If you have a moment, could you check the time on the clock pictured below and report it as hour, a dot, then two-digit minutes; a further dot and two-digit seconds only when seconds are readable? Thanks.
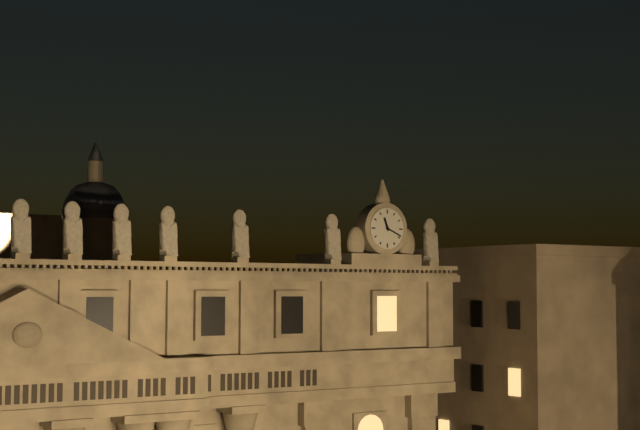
11.19
